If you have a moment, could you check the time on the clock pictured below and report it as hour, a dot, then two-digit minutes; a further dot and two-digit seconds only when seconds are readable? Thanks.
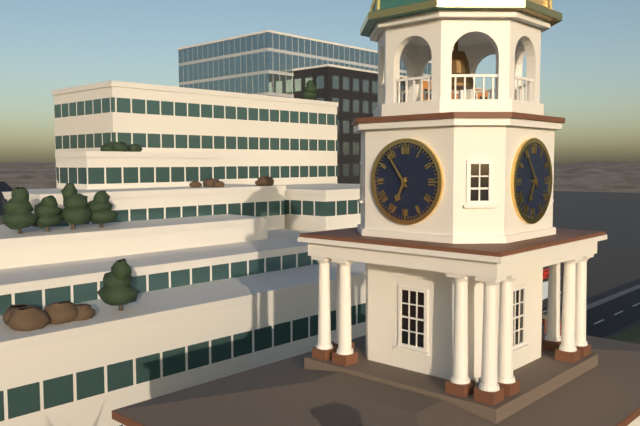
6.54
